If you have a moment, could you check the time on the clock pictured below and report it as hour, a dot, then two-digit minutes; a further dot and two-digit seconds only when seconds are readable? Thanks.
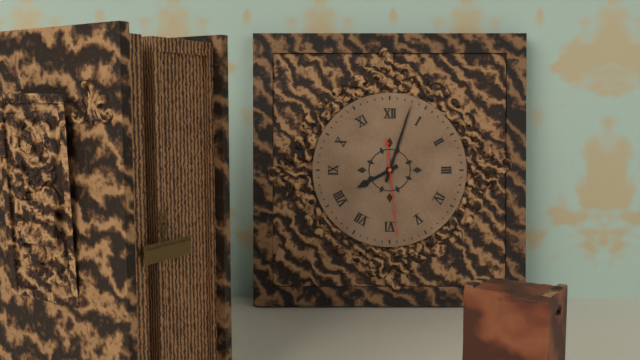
8.03.29
